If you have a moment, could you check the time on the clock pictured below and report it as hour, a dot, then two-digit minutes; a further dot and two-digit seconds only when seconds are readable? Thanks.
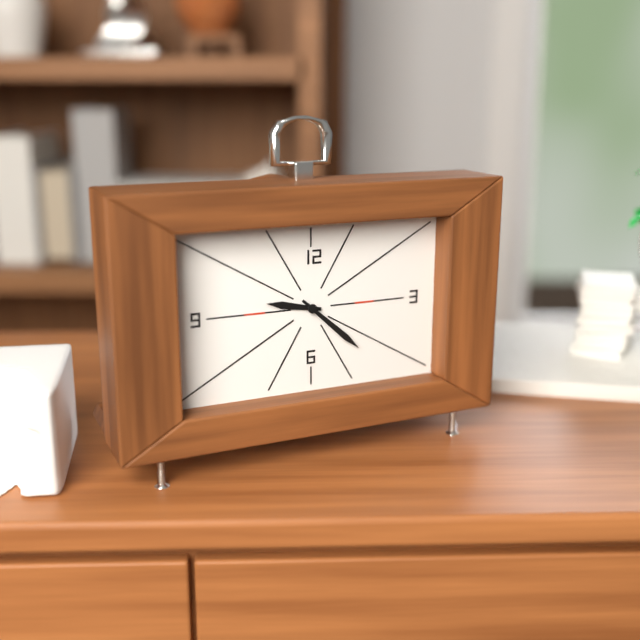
9.22
